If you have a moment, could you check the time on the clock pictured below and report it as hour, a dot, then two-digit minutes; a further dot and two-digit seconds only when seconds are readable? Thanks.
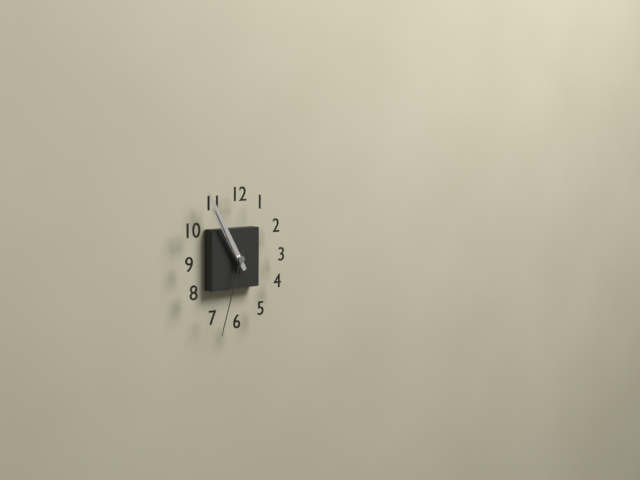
10.55.33
